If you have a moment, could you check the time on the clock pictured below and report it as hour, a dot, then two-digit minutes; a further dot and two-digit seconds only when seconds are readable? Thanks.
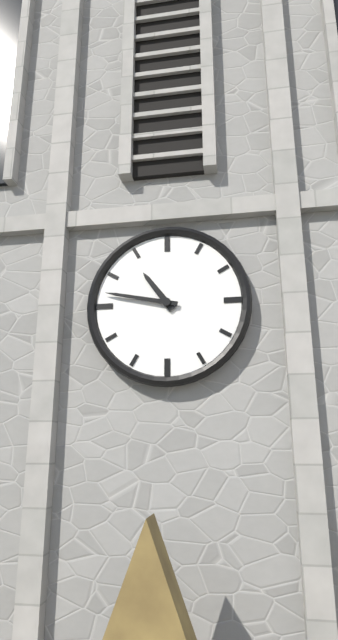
10.47
